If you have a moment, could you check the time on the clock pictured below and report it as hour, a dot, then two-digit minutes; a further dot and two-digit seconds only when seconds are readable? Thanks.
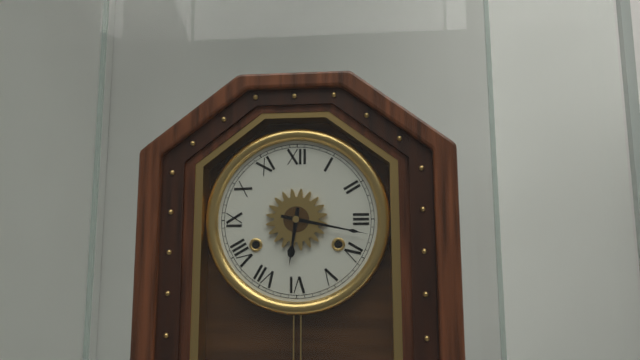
6.17
